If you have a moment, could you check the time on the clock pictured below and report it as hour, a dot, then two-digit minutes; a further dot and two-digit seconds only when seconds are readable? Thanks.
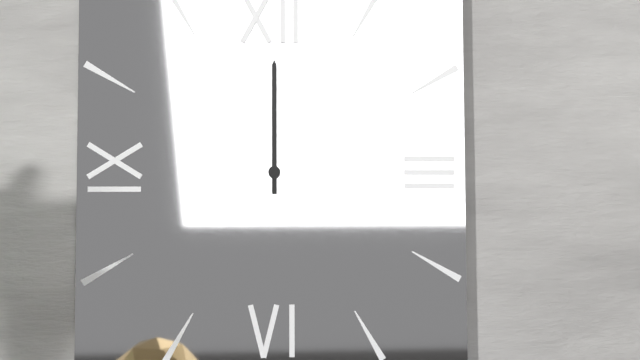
12.00
